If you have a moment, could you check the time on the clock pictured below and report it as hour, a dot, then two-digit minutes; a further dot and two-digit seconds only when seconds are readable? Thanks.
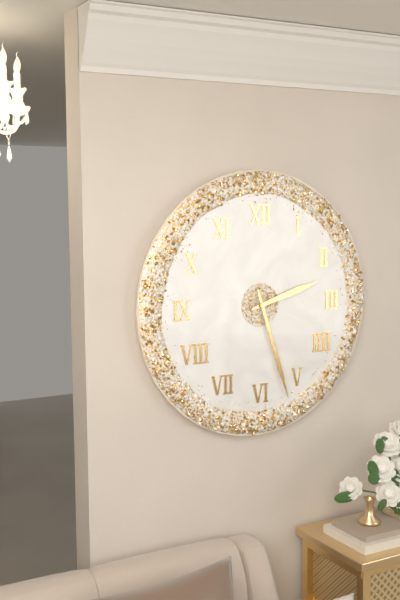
2.27
